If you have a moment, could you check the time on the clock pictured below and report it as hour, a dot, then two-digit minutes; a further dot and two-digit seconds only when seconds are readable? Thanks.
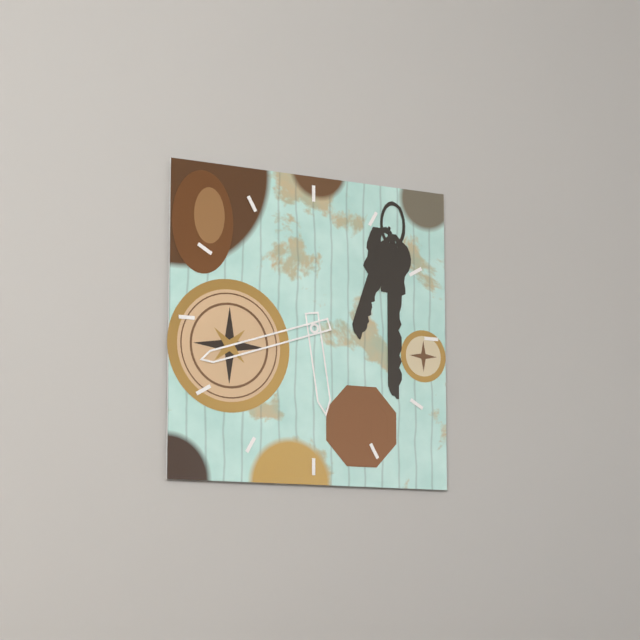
5.42
